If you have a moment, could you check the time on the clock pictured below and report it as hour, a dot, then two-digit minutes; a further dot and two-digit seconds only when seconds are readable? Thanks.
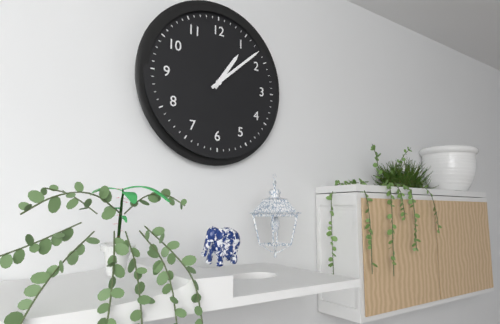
1.08
